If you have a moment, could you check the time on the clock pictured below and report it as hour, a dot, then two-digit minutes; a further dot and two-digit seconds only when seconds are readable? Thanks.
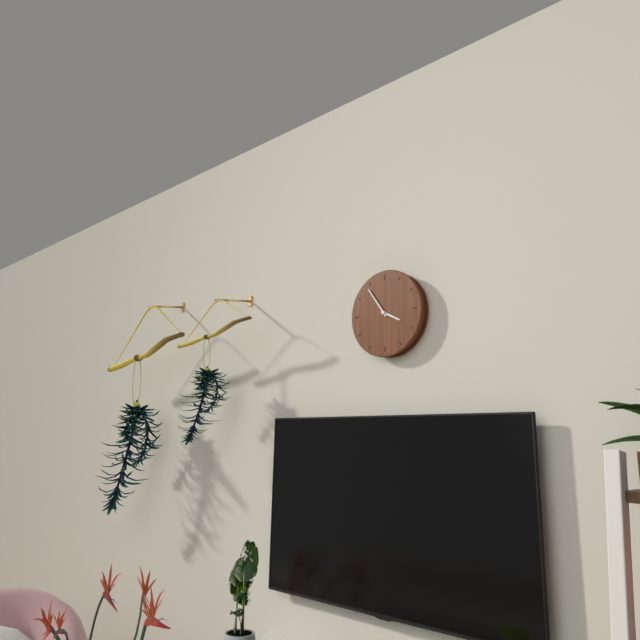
3.54
